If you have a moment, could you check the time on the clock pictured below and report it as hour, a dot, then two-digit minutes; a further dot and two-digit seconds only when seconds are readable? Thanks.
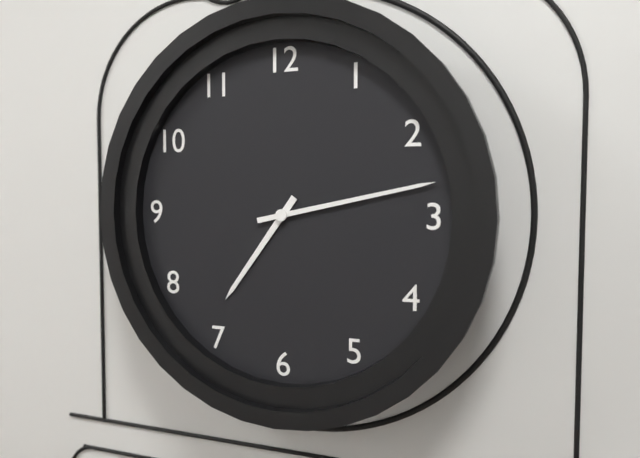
7.13
